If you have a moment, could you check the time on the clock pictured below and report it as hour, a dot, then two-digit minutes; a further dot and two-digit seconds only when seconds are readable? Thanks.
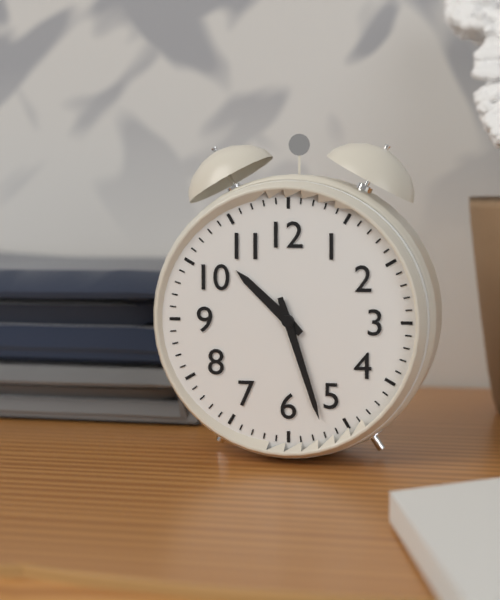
10.27
